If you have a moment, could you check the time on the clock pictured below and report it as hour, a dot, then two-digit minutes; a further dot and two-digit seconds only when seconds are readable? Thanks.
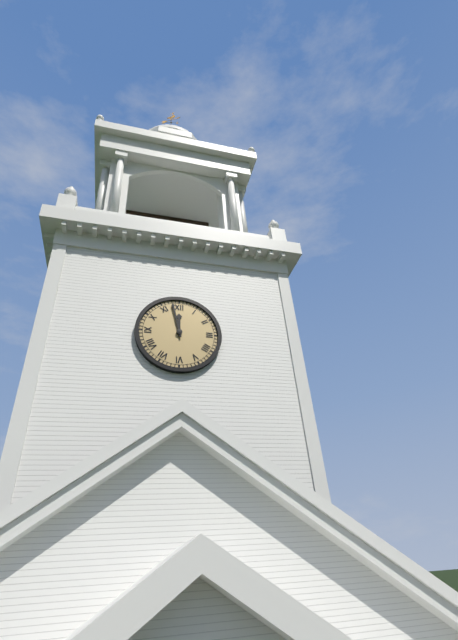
11.58
